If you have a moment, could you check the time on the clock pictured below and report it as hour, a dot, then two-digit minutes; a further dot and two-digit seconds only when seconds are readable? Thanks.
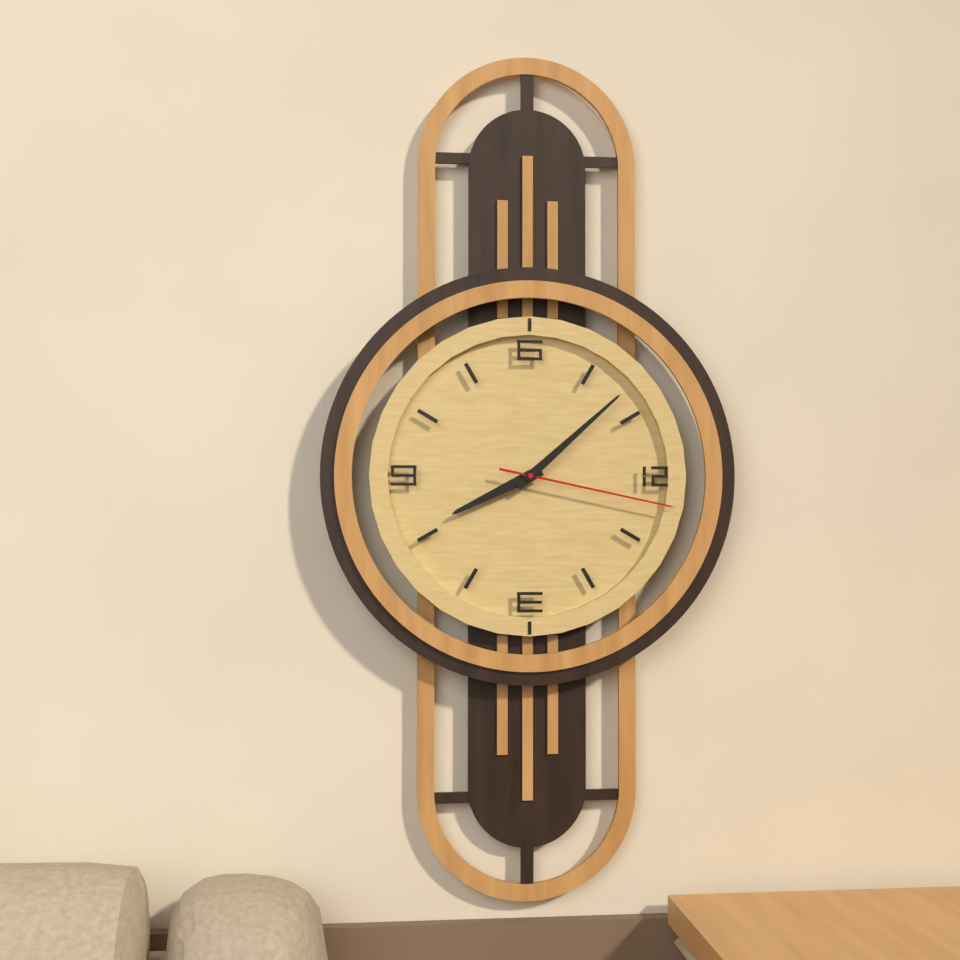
8.08.17
